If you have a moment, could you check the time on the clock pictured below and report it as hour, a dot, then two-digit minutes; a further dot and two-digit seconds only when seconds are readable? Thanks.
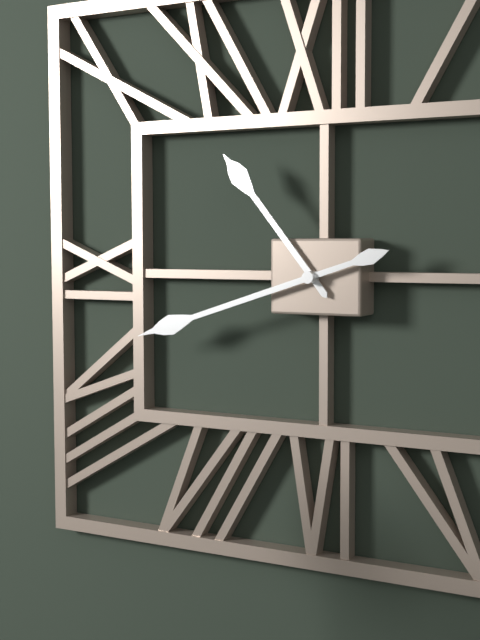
10.42
